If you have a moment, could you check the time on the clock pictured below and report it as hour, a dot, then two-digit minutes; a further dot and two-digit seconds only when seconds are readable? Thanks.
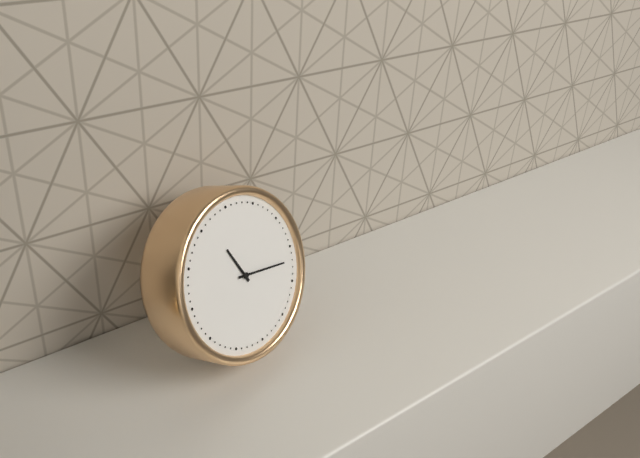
11.17
